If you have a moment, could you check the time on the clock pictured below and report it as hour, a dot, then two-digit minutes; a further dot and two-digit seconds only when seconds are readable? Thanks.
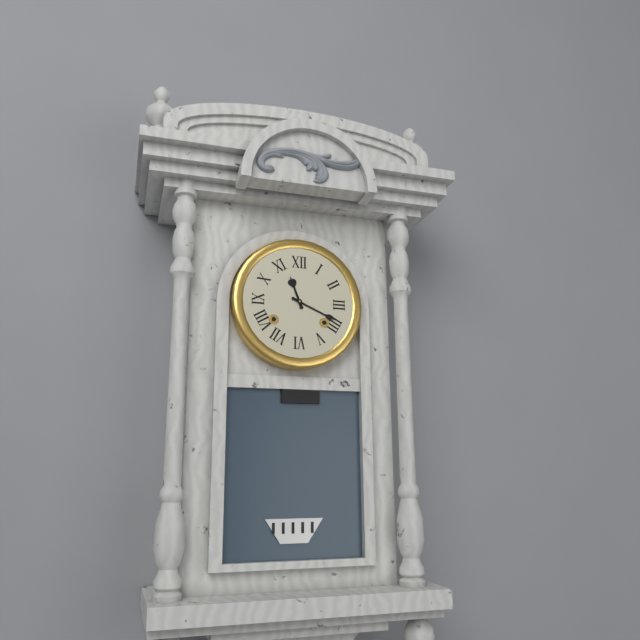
11.19
